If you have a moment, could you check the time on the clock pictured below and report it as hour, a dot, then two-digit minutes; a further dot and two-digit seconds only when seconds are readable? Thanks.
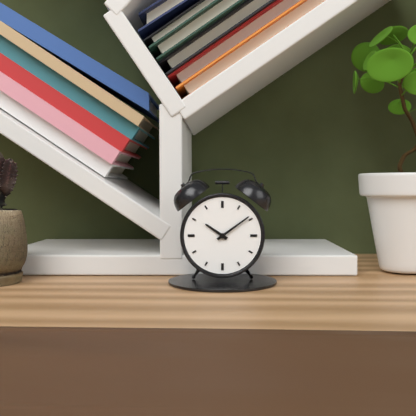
10.09
